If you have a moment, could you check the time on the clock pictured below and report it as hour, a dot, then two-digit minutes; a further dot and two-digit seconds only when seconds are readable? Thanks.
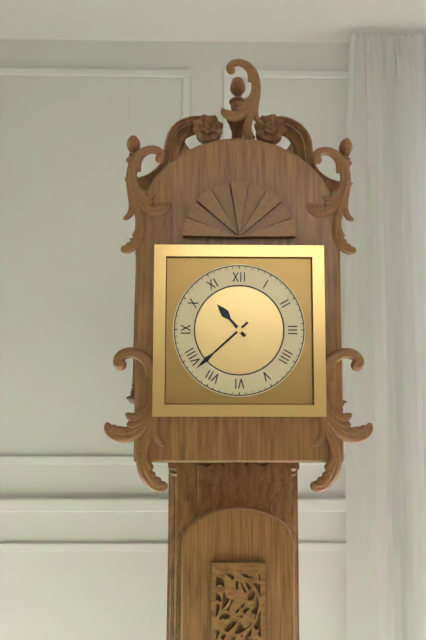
10.38
